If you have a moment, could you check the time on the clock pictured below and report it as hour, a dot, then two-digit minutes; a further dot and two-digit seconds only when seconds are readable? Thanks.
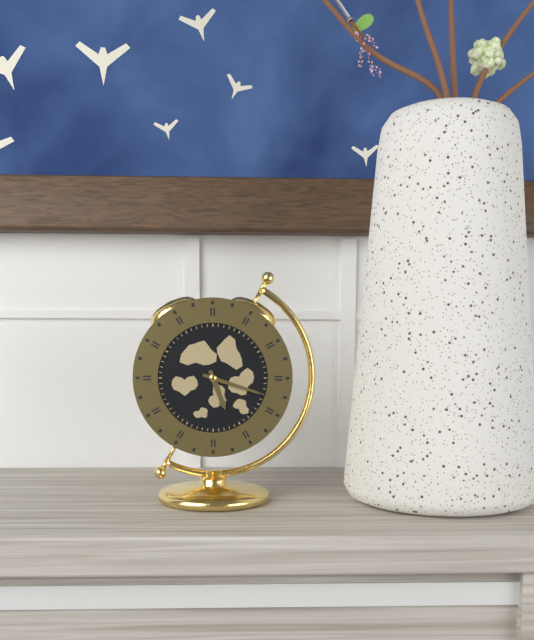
5.18
